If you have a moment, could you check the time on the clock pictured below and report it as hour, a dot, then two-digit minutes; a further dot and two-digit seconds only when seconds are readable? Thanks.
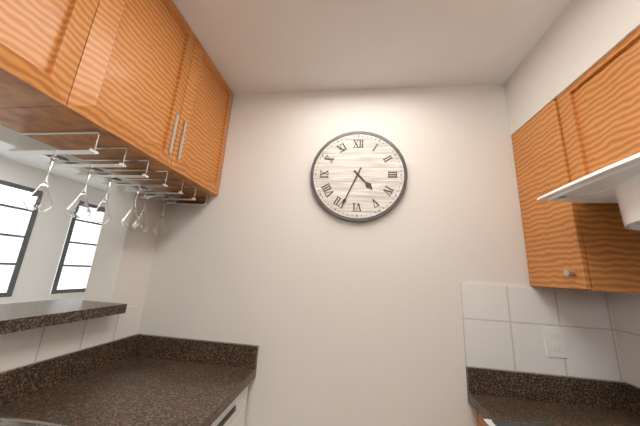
4.34
